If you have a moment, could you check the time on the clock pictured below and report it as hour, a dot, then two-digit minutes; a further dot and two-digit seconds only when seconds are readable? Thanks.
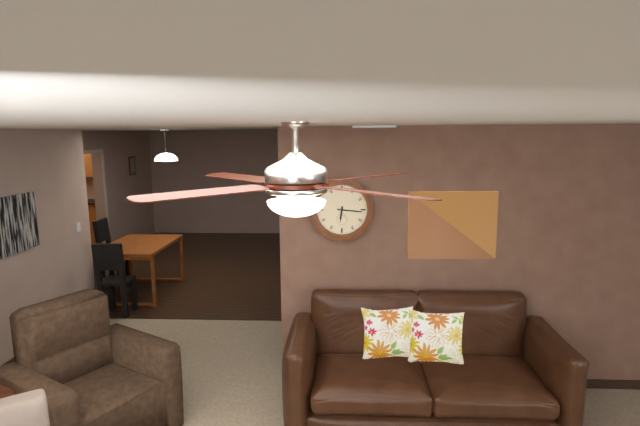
6.16
